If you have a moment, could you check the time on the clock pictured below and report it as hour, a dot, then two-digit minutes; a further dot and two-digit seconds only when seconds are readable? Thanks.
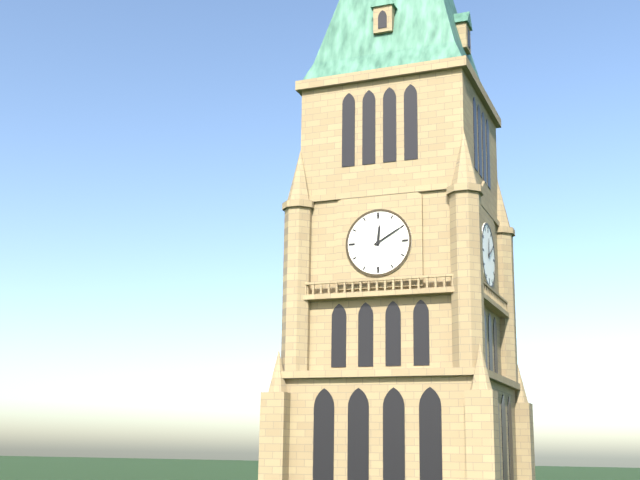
12.10
